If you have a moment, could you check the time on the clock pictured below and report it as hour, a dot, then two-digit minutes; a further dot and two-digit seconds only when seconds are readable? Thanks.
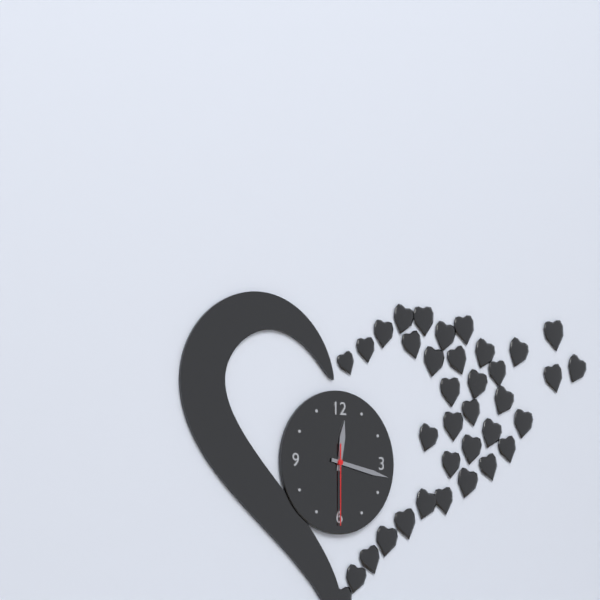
12.17.30
